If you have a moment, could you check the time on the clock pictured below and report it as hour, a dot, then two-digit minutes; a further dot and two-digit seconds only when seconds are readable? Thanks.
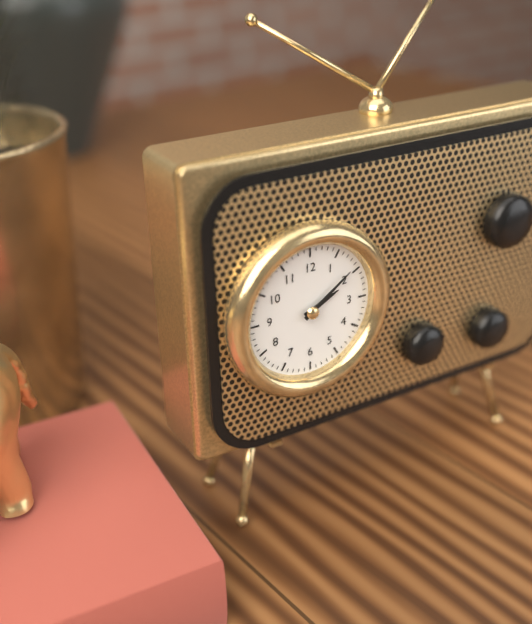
2.09
